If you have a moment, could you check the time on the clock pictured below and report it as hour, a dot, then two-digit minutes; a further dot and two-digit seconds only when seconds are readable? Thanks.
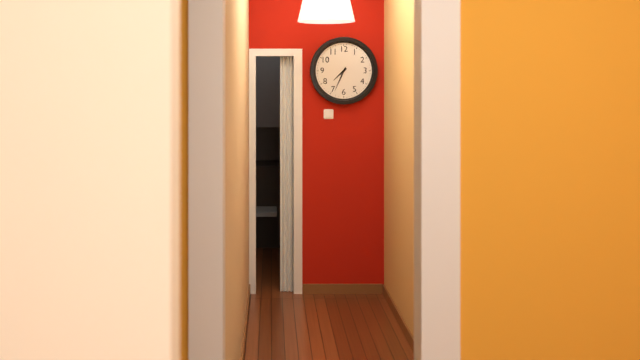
7.34
